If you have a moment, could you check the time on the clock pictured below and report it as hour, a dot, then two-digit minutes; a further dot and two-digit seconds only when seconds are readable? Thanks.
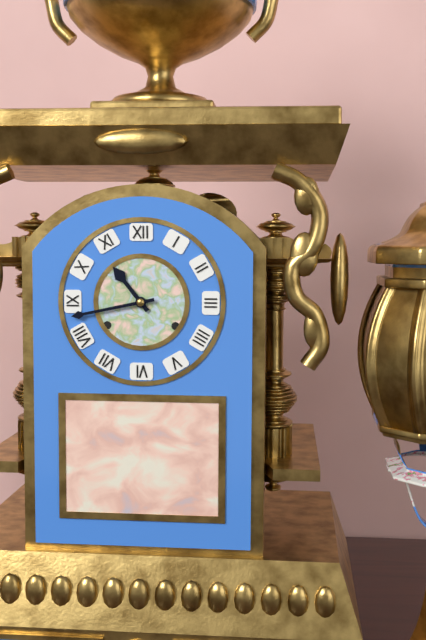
10.43
